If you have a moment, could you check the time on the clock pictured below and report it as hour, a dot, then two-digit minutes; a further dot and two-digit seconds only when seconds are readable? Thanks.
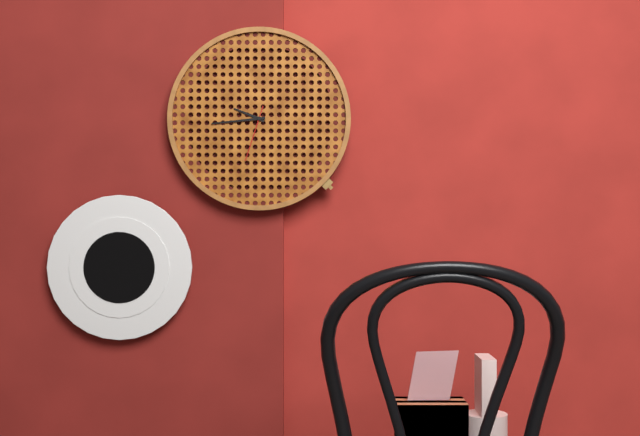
9.44.33
